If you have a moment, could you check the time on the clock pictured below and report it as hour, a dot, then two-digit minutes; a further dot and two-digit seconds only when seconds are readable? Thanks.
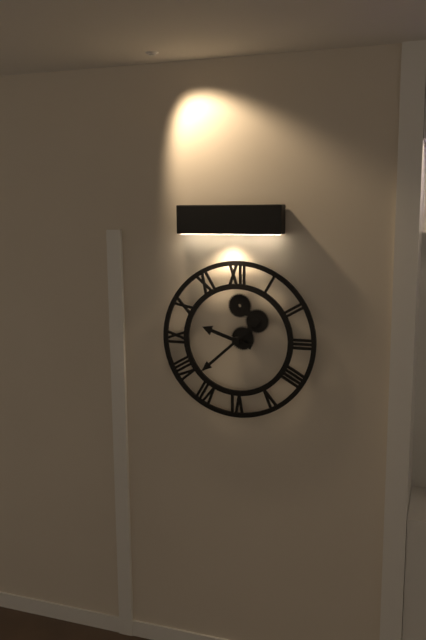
9.38
